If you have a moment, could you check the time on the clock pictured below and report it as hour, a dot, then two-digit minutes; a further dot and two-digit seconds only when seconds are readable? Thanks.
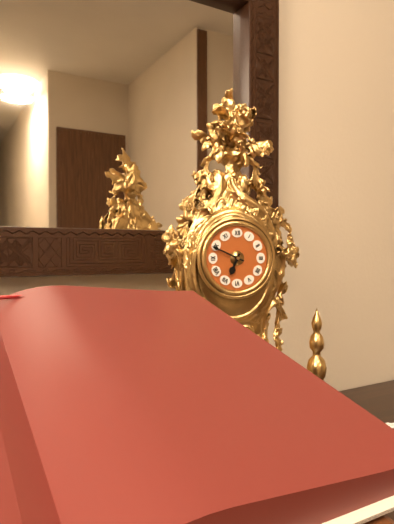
6.49
